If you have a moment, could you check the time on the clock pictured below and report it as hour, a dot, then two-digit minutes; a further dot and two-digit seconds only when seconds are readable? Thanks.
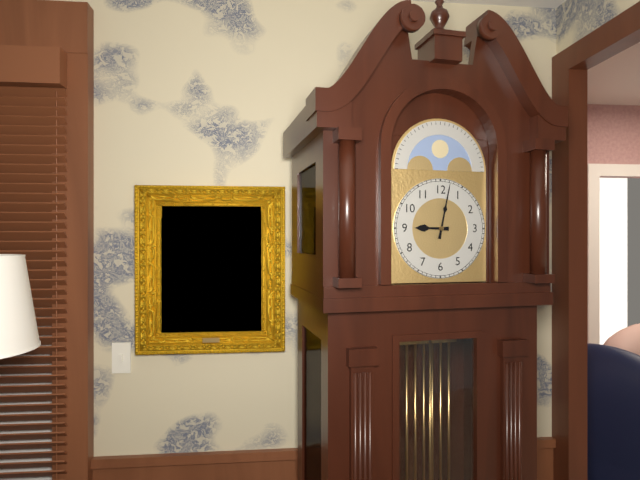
9.02
